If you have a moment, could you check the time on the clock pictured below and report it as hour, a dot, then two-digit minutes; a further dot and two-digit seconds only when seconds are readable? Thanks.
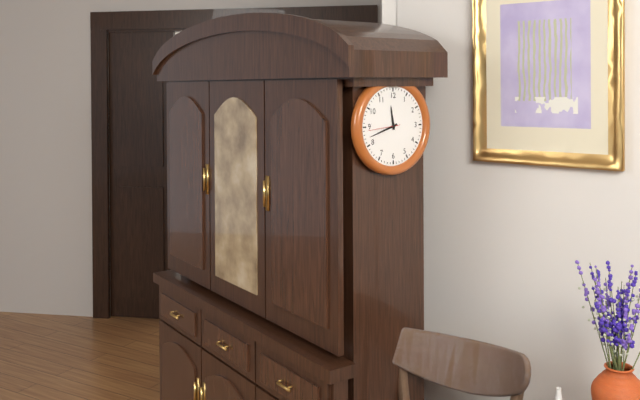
11.42
